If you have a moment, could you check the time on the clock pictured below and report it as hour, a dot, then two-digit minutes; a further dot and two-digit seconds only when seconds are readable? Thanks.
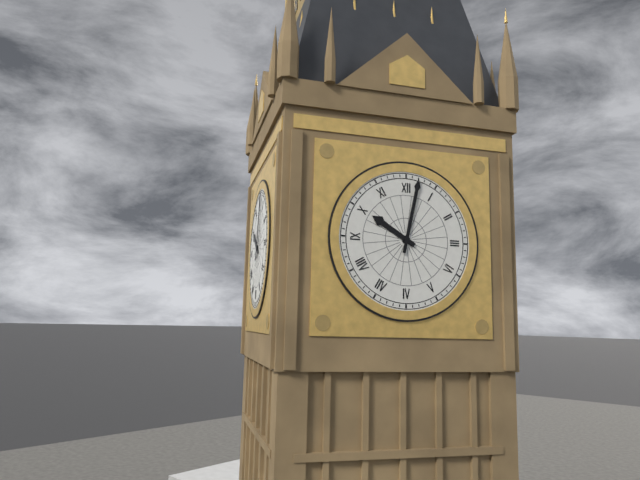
10.02
